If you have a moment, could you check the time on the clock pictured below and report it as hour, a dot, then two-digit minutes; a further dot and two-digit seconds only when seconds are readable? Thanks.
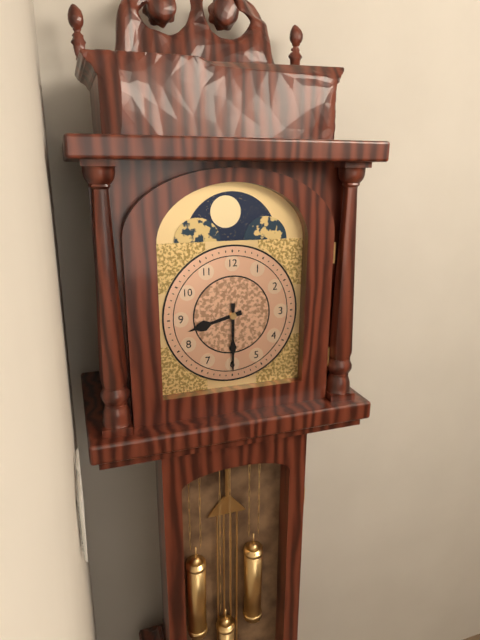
8.30
